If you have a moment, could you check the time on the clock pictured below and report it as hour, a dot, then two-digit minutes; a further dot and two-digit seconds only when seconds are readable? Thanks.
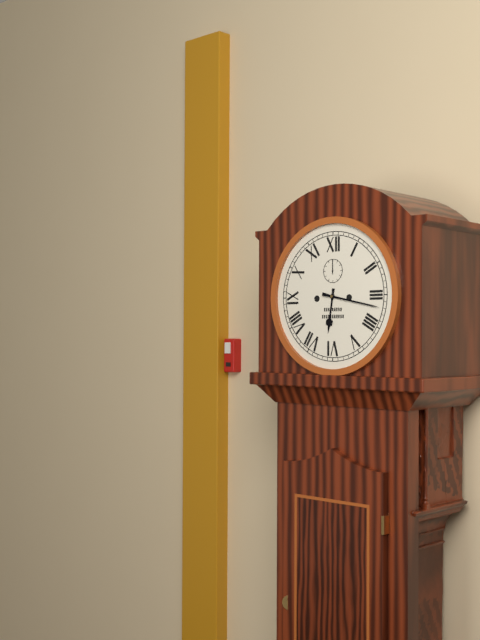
6.17
